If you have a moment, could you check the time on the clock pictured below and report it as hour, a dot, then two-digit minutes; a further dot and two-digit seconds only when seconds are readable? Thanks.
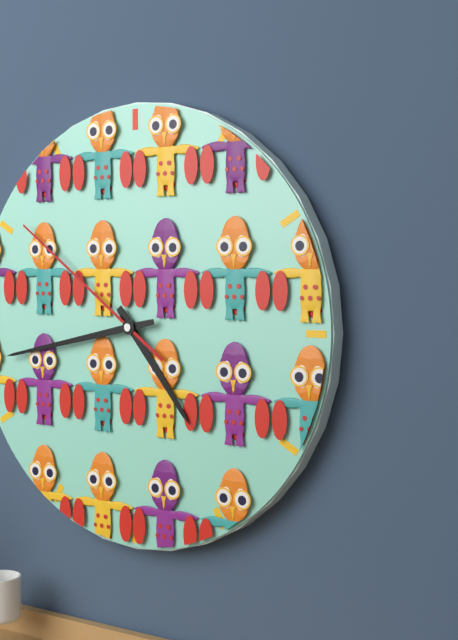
4.43.51
